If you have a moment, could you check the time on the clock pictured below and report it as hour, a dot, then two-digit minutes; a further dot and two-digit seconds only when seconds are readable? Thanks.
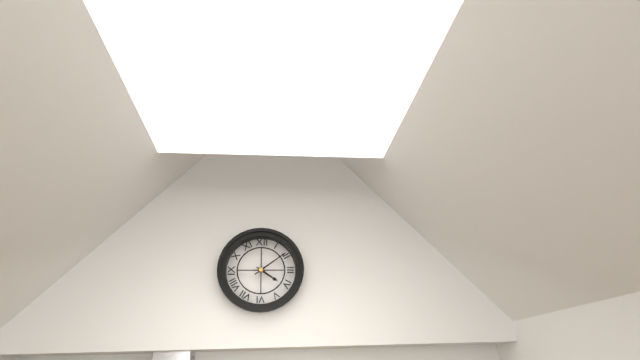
4.09
